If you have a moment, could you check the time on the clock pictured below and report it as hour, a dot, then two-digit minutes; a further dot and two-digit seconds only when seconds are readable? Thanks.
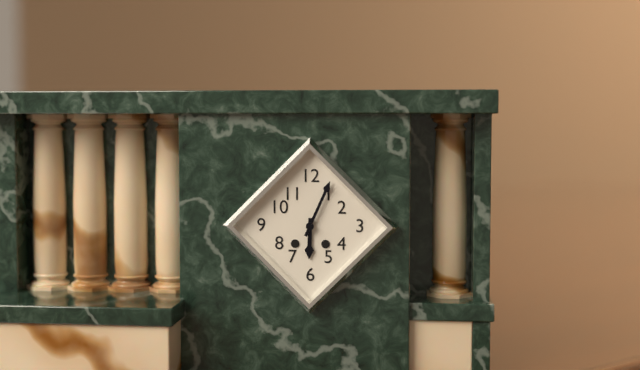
6.04
